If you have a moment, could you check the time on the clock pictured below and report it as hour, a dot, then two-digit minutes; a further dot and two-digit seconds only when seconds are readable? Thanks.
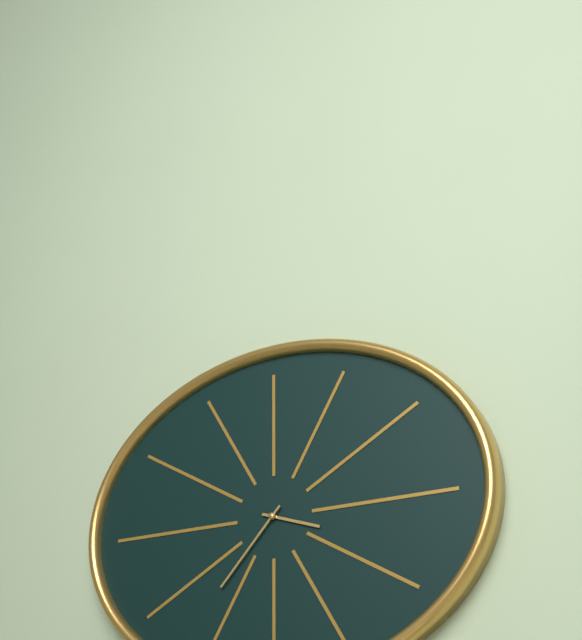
3.37
